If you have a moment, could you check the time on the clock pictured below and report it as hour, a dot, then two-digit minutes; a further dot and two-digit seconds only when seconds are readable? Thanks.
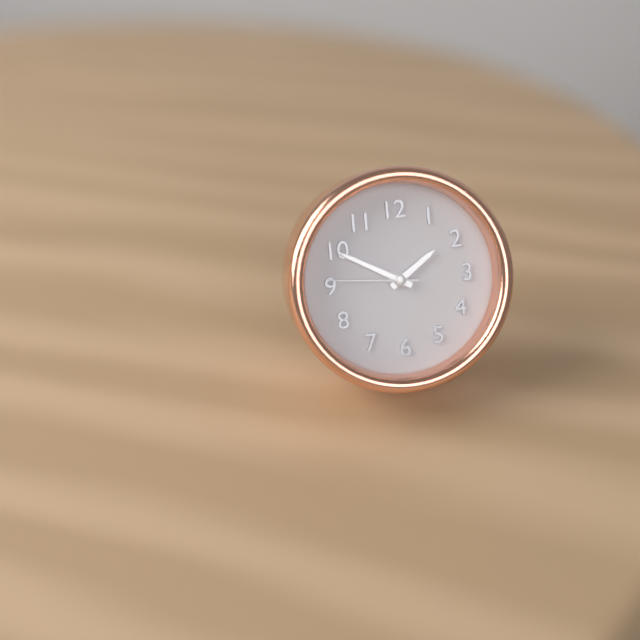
1.50.46
